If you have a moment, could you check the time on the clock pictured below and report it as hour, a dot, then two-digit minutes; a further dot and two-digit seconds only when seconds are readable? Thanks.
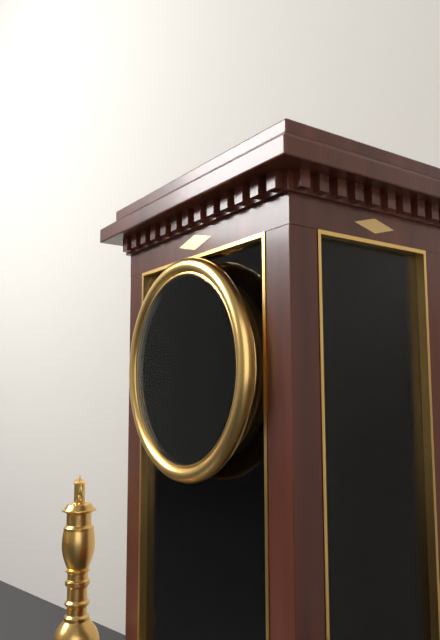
6.13
